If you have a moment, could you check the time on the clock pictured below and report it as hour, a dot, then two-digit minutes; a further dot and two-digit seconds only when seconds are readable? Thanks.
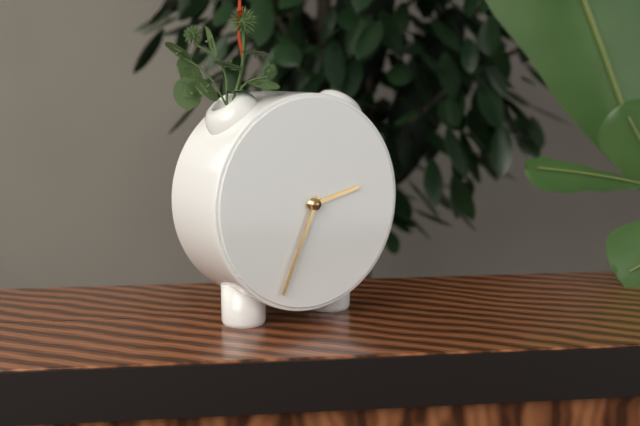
2.34
